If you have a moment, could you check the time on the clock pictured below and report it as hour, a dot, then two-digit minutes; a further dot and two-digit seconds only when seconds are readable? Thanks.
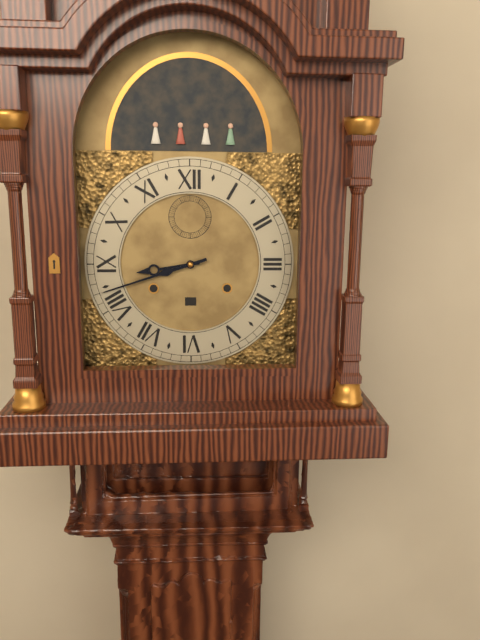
8.42
